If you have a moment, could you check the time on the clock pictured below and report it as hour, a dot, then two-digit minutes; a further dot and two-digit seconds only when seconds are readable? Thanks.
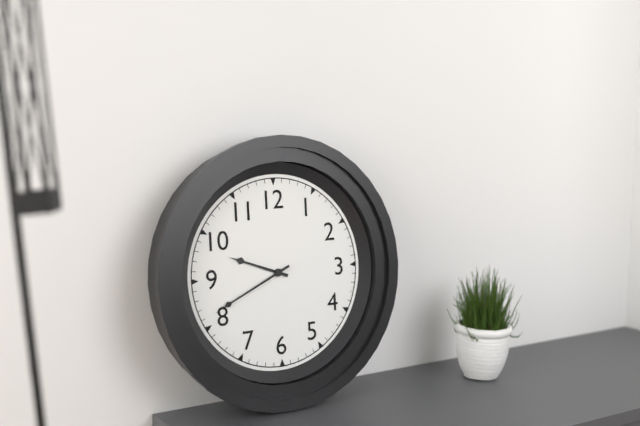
9.41
